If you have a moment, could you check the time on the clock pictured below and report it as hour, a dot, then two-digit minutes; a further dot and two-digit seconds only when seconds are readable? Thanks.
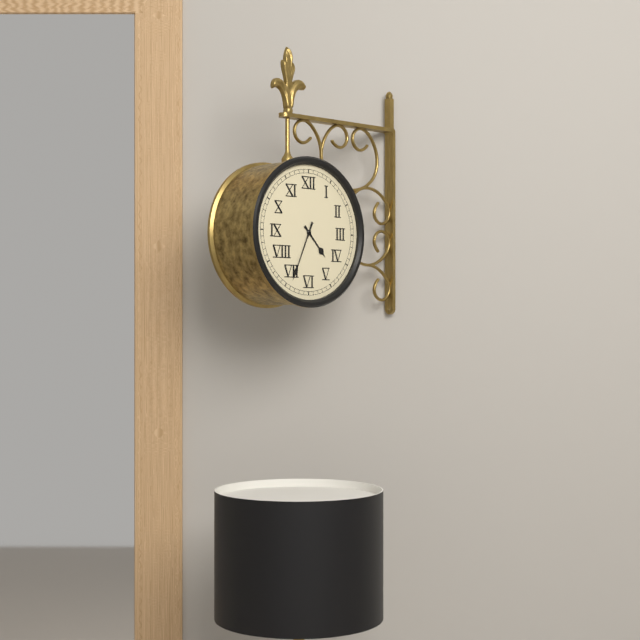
4.34
